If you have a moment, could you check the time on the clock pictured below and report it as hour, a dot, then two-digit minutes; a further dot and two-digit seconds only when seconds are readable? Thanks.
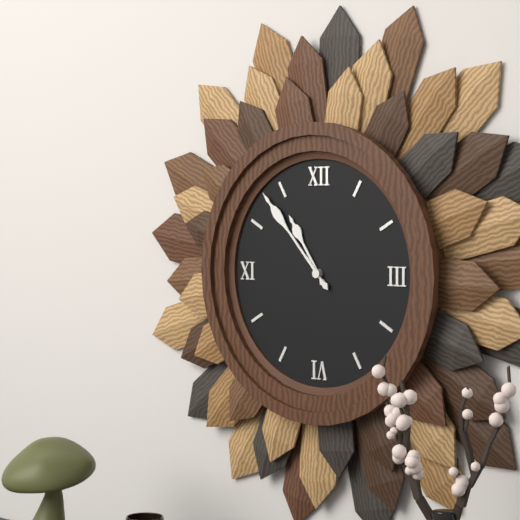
10.53
